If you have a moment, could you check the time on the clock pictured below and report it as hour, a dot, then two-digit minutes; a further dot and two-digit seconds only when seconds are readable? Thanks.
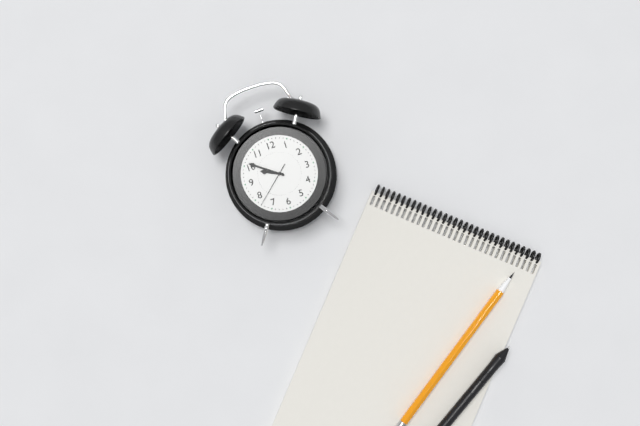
9.51
